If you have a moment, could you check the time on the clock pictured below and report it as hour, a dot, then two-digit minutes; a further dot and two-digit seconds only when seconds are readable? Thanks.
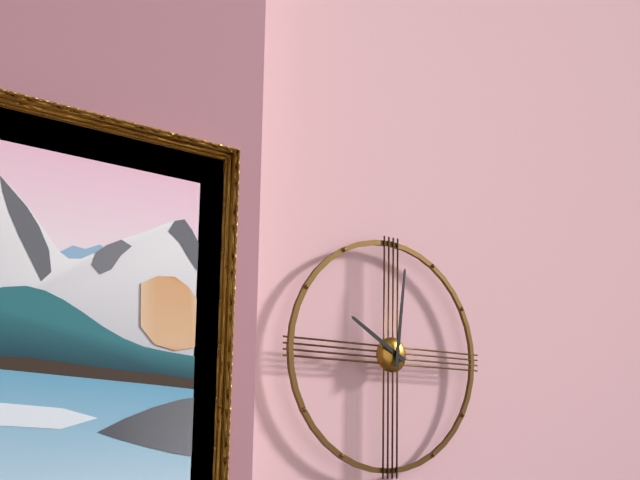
10.01
